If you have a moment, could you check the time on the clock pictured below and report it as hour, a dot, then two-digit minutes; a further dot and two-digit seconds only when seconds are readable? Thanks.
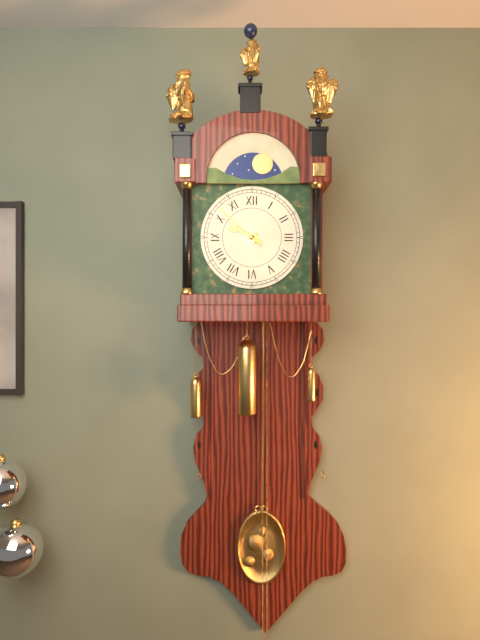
9.52
